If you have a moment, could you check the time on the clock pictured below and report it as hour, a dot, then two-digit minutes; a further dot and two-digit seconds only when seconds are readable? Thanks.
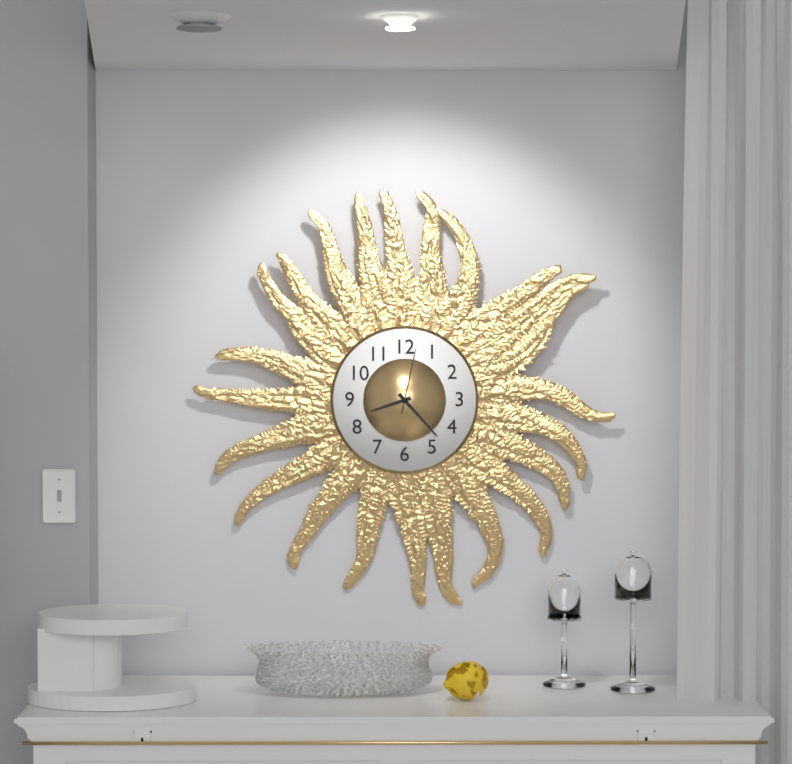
8.23.02
